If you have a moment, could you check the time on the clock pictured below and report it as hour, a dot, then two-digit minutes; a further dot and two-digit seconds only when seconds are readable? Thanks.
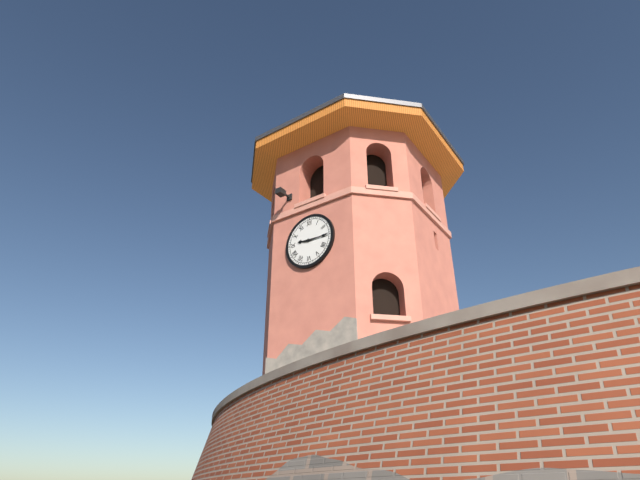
9.15
